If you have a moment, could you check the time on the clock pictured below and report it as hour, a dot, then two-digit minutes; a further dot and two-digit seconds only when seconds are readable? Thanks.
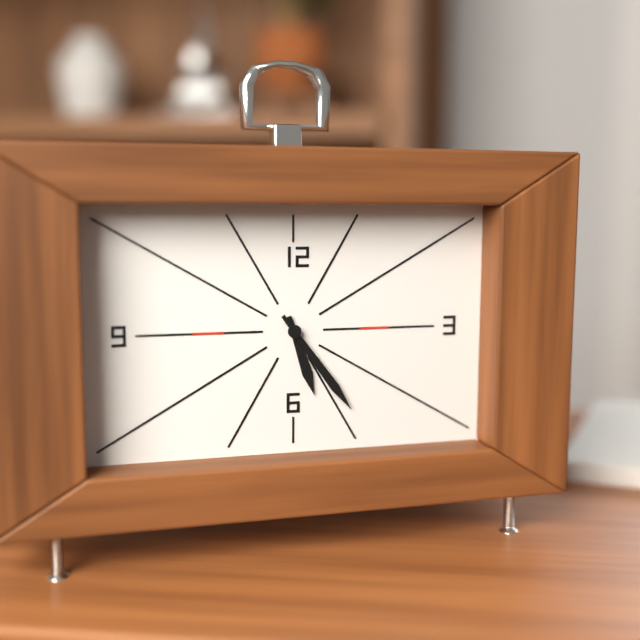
5.24
